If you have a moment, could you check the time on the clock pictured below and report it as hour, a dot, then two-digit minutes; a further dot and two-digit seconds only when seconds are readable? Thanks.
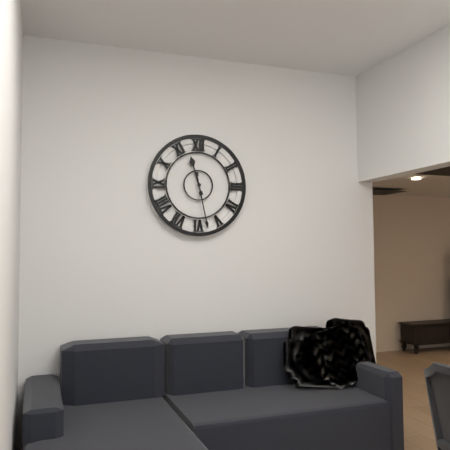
11.28
